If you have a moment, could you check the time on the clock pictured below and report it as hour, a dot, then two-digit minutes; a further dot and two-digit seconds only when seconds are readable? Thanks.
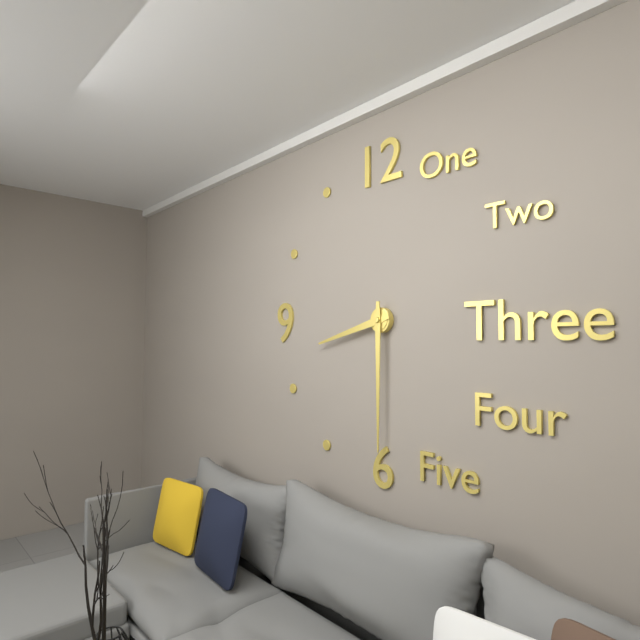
8.30
